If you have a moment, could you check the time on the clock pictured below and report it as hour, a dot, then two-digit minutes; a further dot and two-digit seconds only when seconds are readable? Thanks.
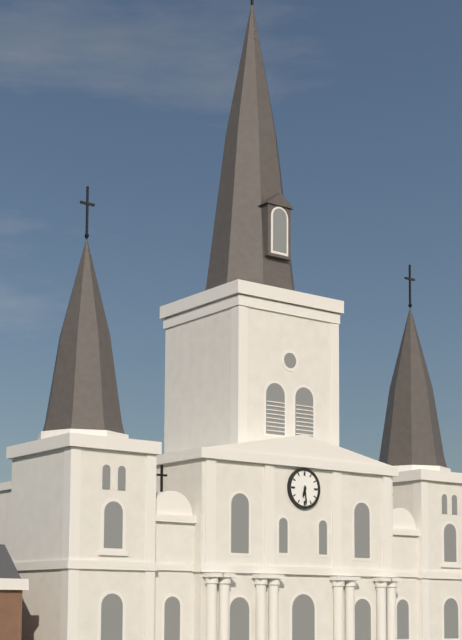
6.29
